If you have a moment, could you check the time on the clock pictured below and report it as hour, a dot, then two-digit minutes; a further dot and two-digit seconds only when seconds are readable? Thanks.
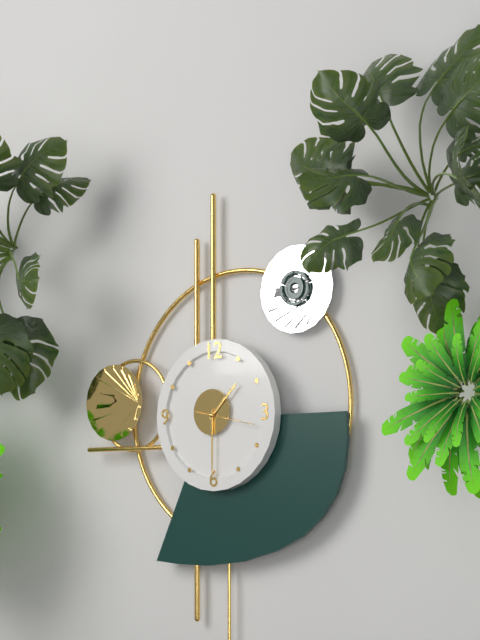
1.30.17
